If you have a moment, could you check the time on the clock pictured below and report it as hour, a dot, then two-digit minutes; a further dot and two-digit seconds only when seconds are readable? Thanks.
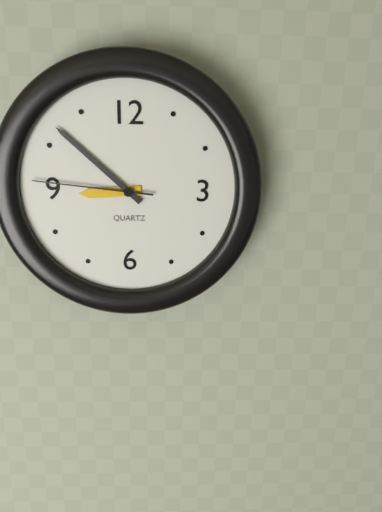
8.52.46
